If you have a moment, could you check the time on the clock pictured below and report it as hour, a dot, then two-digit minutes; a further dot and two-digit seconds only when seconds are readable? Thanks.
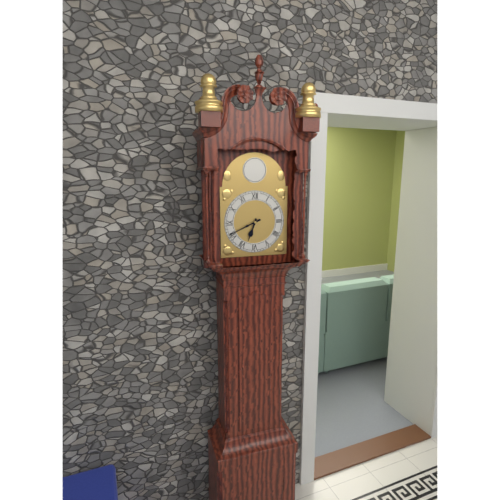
6.41
